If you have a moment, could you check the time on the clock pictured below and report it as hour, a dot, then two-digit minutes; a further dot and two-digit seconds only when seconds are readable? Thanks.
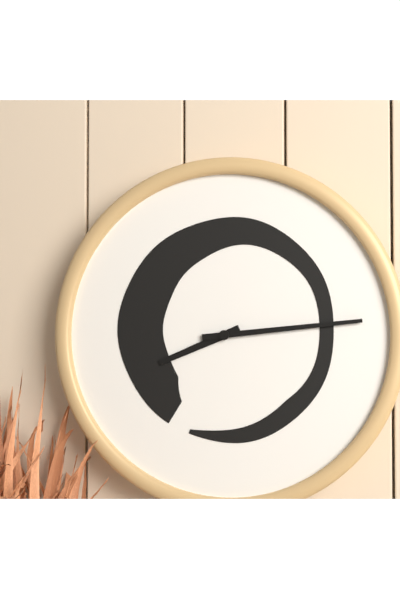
8.14
